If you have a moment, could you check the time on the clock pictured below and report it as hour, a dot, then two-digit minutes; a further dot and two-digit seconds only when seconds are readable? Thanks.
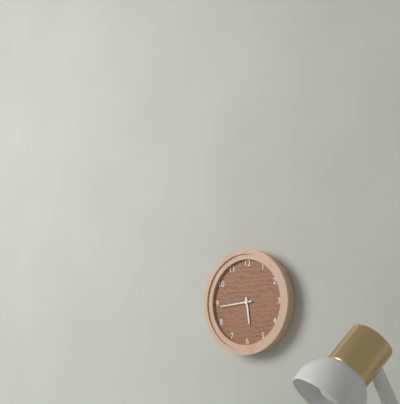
5.44
